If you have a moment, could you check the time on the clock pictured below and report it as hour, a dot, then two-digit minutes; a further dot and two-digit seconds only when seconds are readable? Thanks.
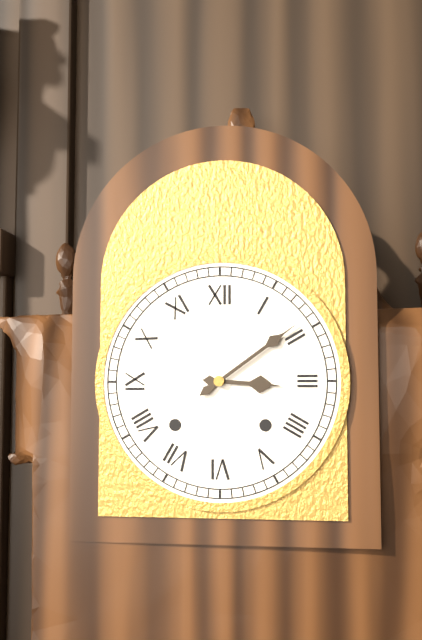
3.09
